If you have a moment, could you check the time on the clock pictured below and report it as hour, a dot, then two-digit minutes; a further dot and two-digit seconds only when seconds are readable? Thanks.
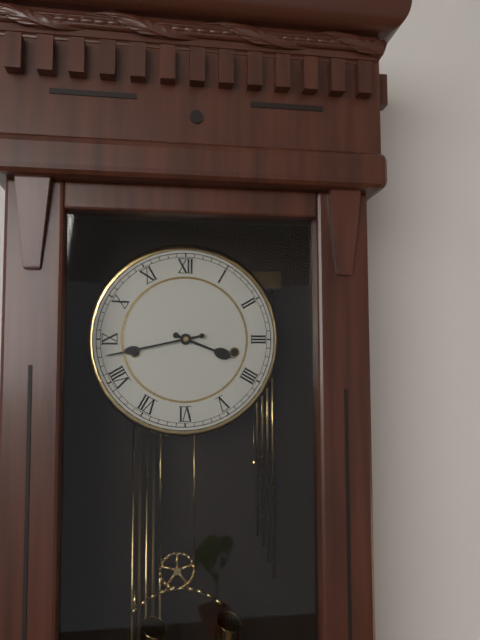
3.43
